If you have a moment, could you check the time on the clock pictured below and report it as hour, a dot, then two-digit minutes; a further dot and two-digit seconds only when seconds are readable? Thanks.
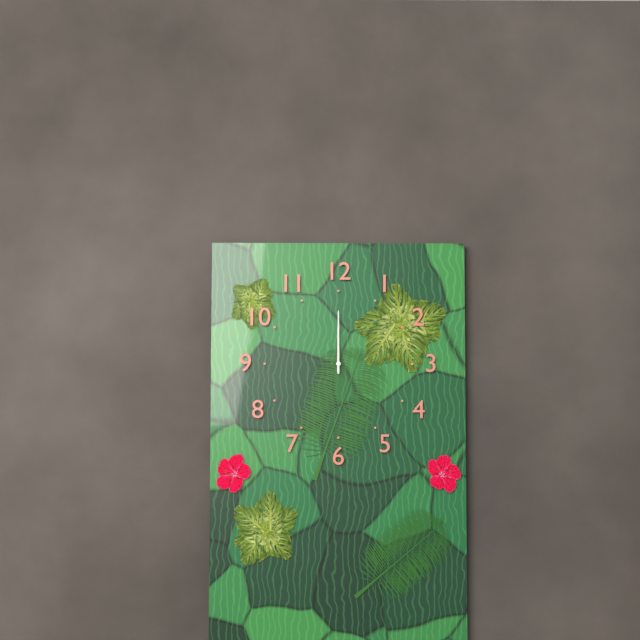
12.00
